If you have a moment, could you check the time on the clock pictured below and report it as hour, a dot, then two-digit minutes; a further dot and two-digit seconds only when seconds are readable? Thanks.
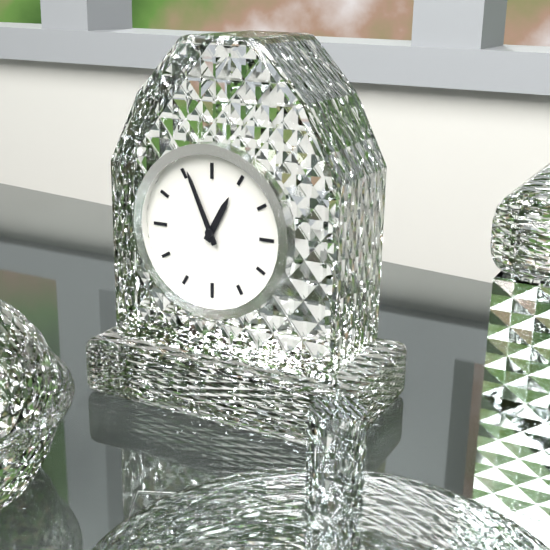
12.56
